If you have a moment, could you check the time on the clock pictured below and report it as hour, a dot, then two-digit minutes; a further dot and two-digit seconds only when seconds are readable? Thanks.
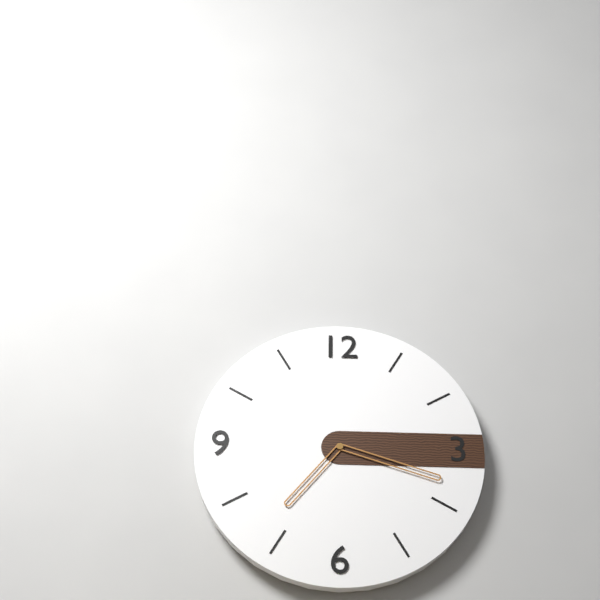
7.18
